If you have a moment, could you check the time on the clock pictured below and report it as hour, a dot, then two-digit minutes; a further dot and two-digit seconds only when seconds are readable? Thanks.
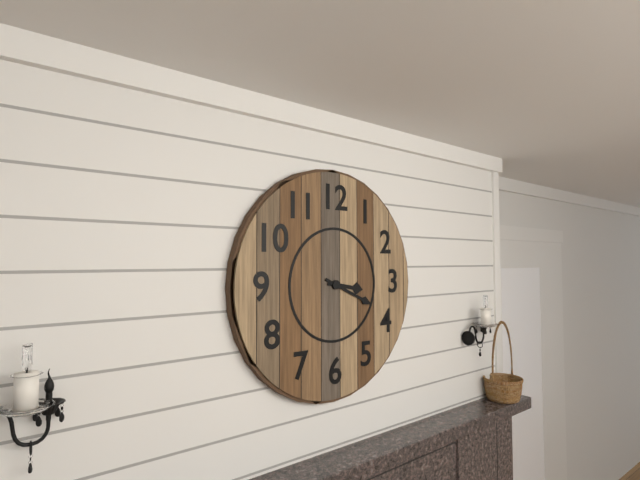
3.19
